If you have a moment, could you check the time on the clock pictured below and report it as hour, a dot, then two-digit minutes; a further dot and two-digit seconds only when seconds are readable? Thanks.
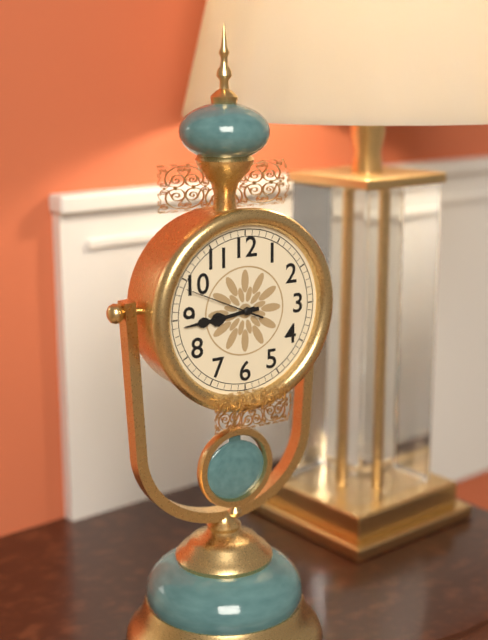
8.44.49
